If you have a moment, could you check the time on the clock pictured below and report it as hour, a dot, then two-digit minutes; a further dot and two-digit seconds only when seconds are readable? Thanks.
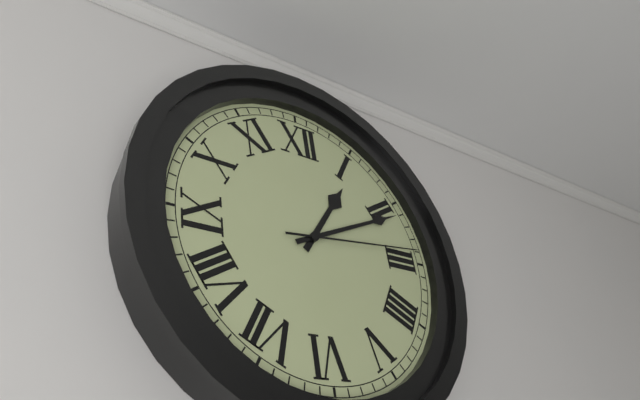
1.11.14
